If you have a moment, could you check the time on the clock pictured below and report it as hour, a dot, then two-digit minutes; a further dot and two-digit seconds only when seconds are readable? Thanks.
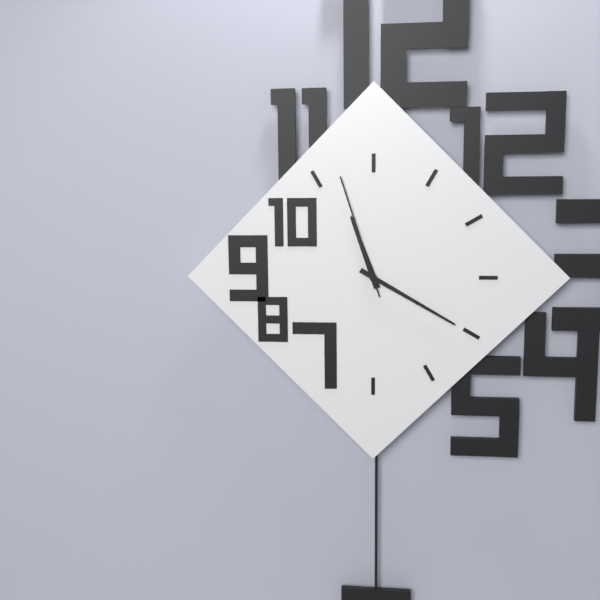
11.20.57
